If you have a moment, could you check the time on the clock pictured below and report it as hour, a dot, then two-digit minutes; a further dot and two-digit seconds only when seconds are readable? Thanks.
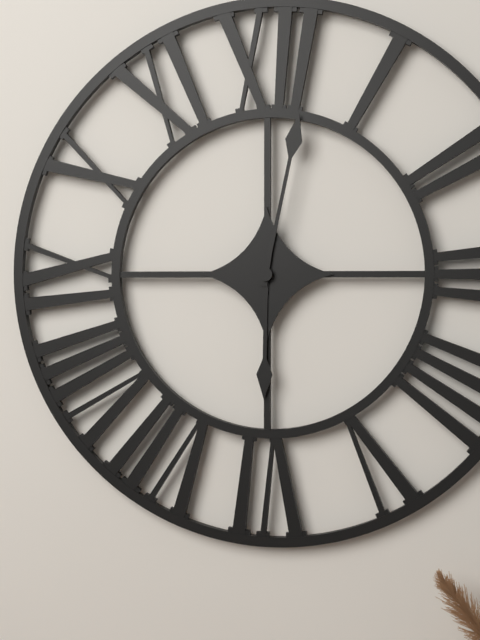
6.02
